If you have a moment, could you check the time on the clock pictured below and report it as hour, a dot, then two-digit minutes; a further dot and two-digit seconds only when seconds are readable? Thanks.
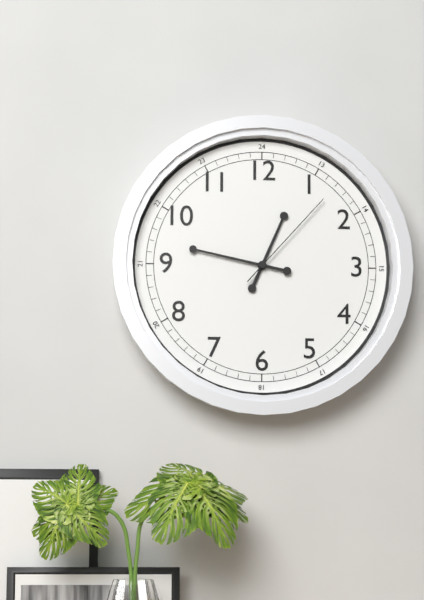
12.47.07
